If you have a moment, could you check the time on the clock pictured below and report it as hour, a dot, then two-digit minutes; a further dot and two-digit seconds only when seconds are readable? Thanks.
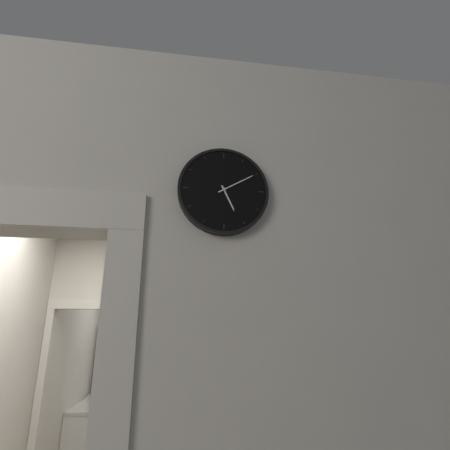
5.10
